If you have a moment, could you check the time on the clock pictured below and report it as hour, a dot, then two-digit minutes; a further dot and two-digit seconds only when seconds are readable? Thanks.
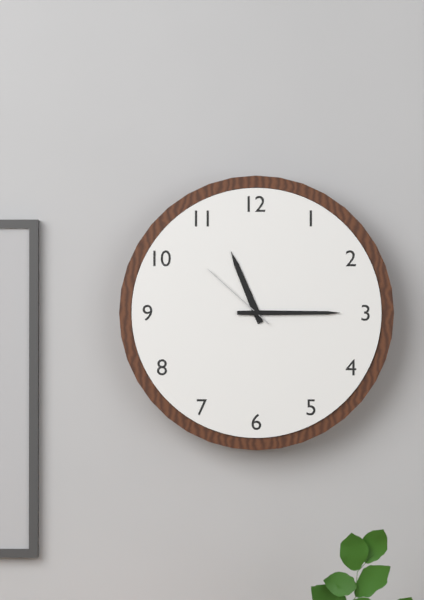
11.15.52
